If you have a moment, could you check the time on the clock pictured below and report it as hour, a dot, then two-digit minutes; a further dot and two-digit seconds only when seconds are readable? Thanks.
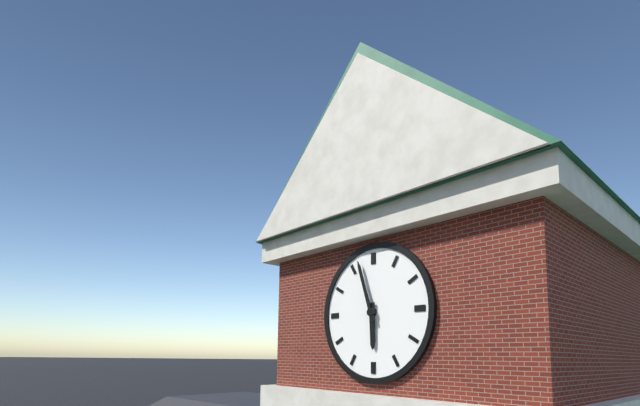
5.57
